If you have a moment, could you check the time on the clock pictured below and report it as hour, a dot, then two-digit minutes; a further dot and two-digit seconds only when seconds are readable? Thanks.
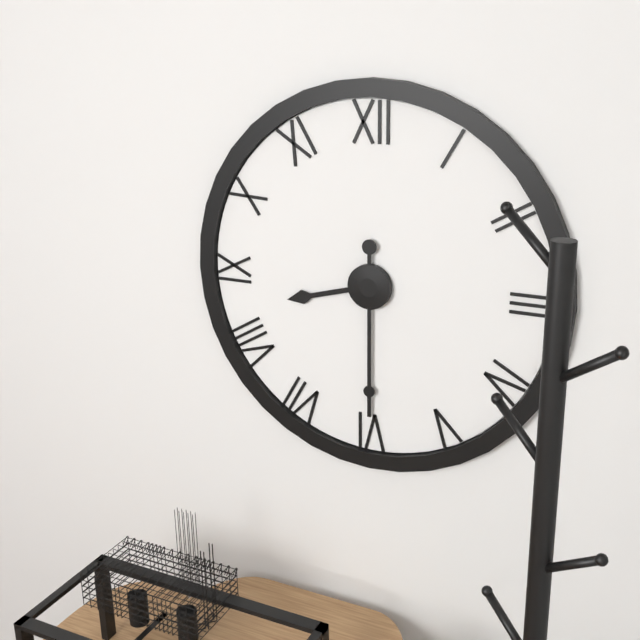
8.30
